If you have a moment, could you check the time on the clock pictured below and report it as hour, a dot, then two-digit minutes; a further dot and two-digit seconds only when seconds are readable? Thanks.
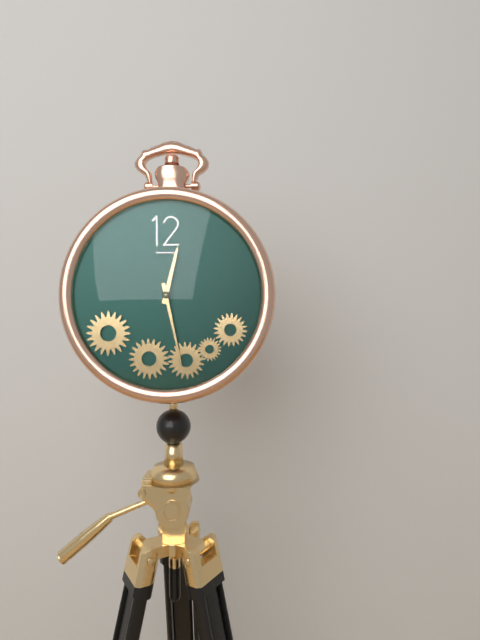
12.28
